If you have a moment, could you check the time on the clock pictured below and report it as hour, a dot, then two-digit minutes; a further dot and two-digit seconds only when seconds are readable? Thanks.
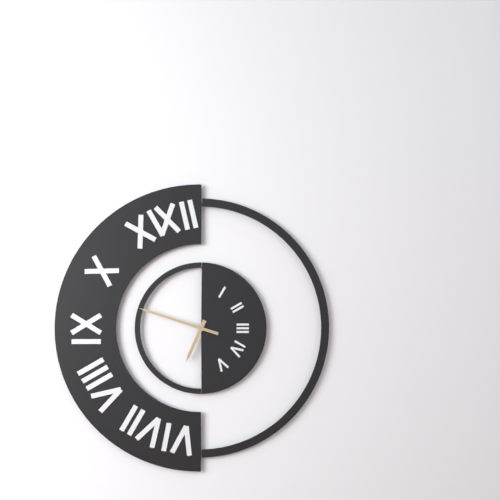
6.48
